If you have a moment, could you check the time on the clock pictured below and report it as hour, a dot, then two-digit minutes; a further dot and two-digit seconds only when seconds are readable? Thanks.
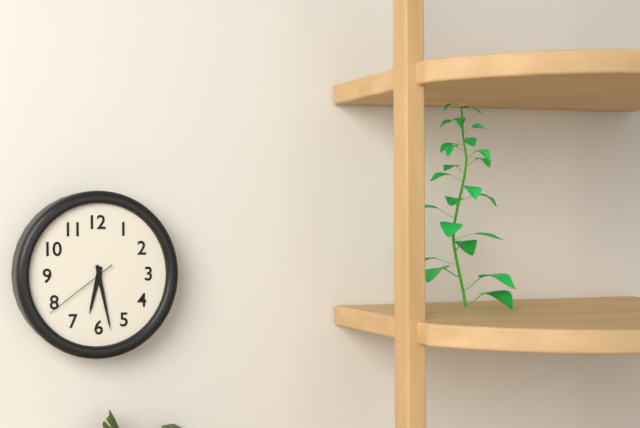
6.28.39
